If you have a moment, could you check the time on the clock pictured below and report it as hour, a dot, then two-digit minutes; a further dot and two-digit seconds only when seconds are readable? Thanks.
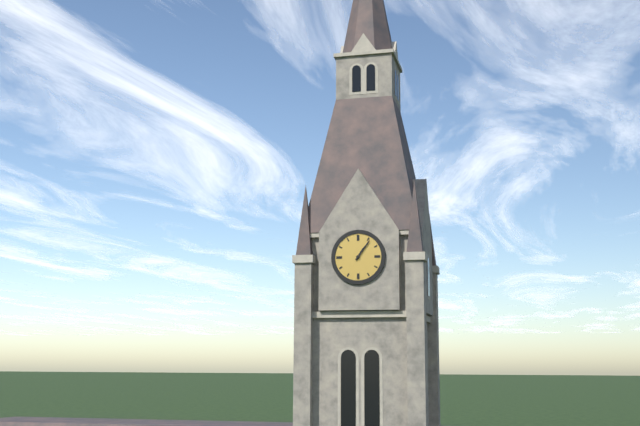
1.06
